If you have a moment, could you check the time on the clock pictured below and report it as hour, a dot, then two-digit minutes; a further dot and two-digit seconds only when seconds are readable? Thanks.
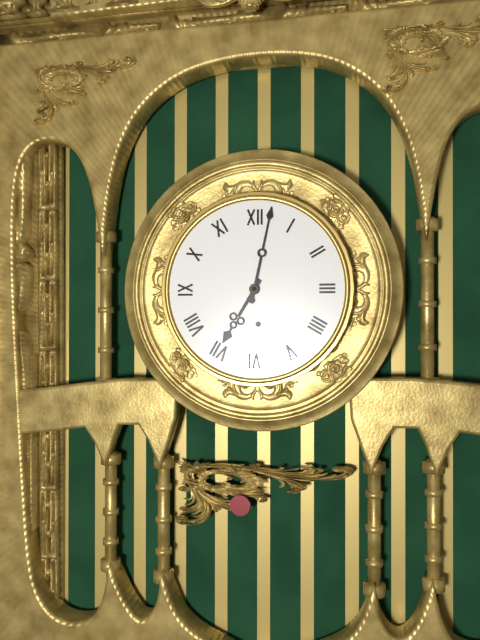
7.02
